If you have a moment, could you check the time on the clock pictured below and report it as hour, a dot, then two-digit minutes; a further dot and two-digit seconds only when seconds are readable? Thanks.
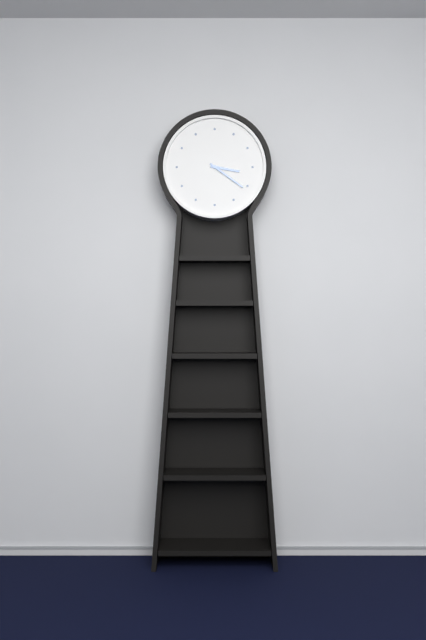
3.21
